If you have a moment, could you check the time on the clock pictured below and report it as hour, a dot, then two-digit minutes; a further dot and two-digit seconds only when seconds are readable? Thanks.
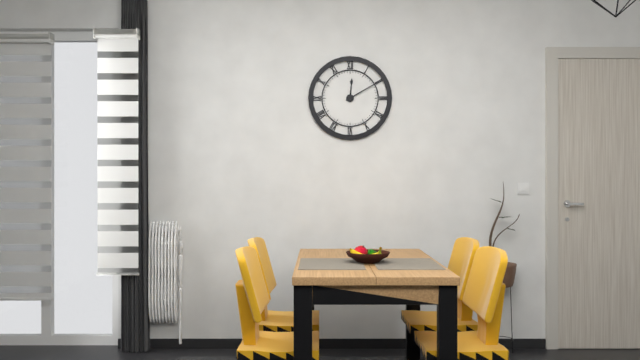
12.10
